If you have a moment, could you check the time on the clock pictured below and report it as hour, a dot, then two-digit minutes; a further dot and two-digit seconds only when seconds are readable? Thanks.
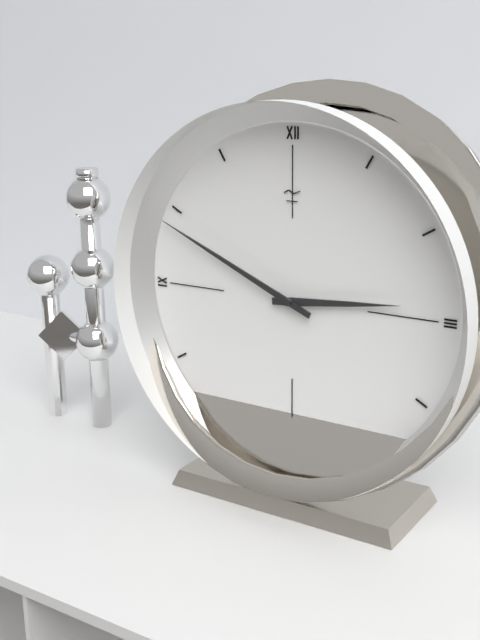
2.49
